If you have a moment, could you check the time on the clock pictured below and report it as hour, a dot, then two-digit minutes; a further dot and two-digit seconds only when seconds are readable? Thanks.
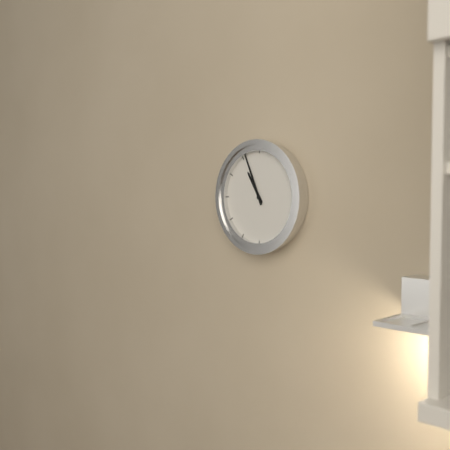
10.56
